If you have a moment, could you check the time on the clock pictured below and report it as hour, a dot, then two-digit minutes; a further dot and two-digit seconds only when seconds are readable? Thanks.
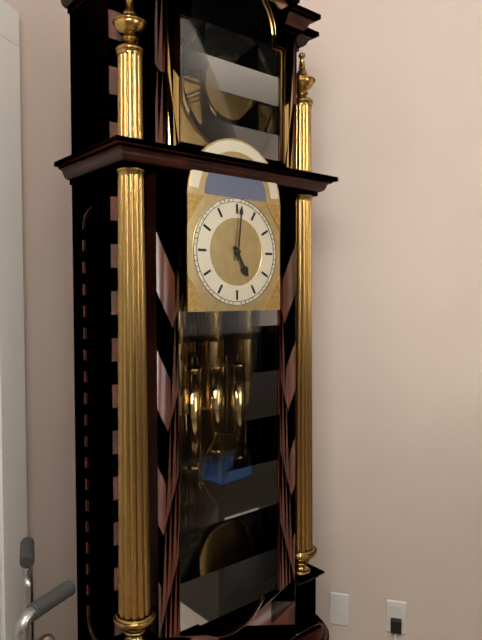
5.01
